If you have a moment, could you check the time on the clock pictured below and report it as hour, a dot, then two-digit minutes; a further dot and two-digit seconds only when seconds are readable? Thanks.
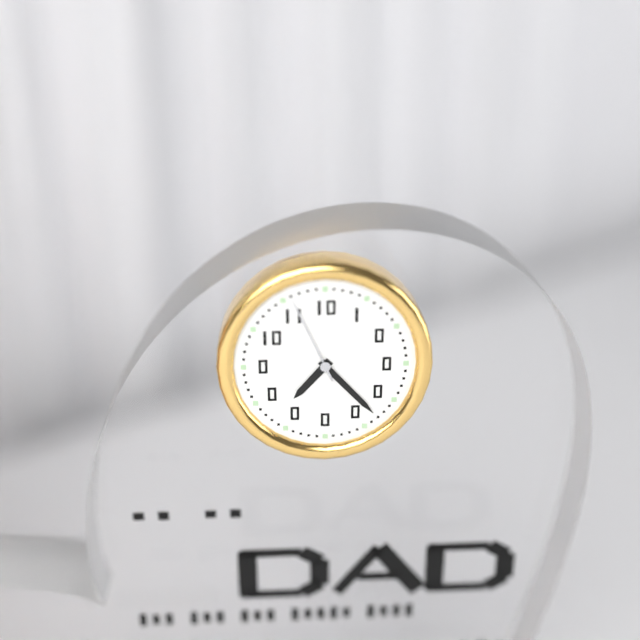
7.23.56
